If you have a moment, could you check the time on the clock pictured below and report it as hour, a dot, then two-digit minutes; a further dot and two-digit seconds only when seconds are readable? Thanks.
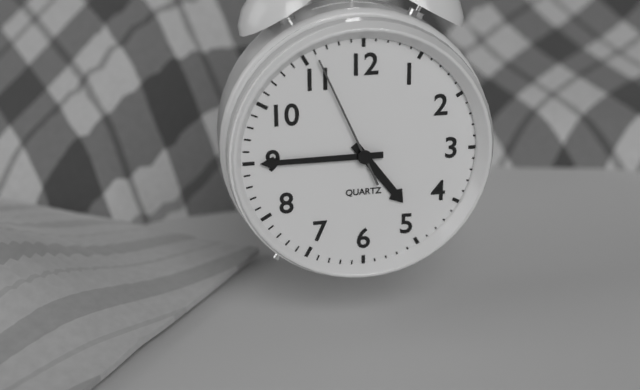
4.45.56
